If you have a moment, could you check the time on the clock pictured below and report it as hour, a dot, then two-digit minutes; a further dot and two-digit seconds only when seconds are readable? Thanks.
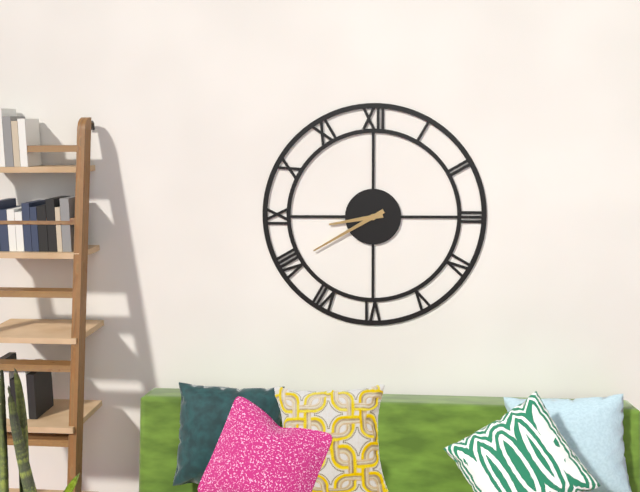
8.40
